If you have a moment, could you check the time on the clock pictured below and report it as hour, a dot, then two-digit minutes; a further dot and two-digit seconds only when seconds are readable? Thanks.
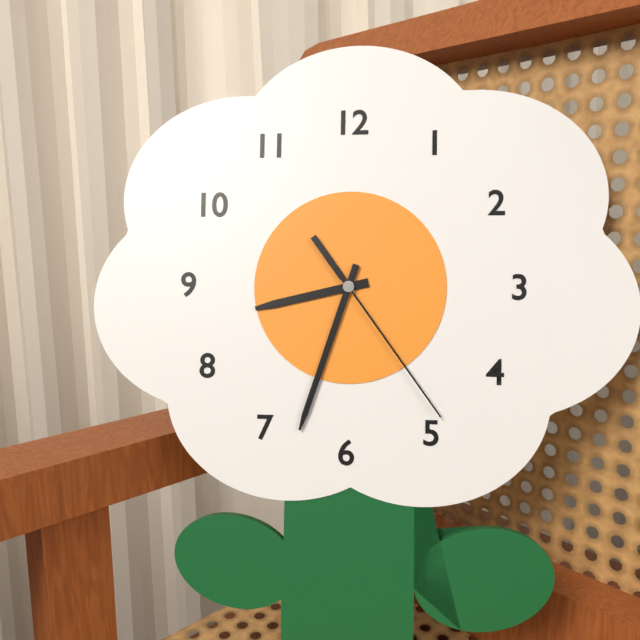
8.33.24
